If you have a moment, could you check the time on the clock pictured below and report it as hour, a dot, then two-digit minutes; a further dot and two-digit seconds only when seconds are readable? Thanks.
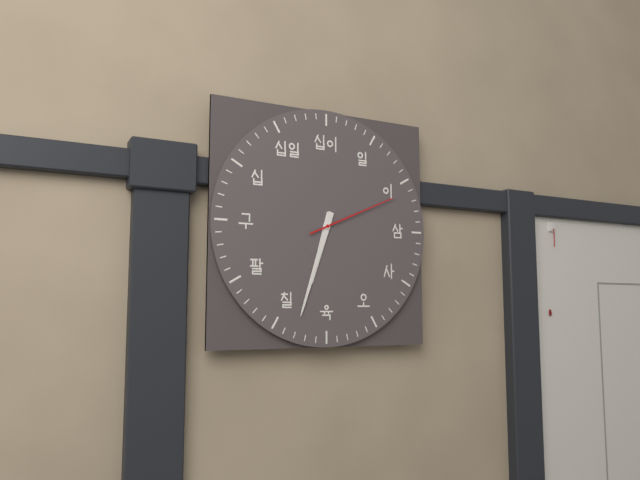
6.33.11
